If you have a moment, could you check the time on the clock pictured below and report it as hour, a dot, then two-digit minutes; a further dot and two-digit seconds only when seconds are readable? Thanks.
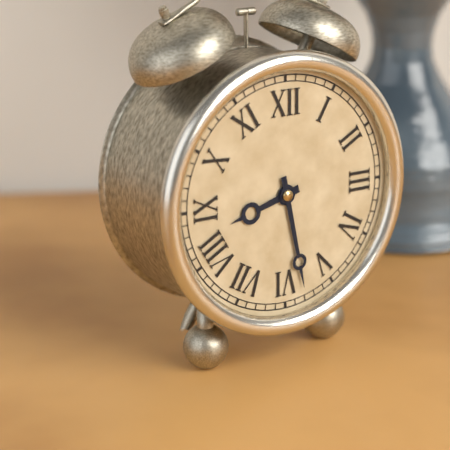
8.28
